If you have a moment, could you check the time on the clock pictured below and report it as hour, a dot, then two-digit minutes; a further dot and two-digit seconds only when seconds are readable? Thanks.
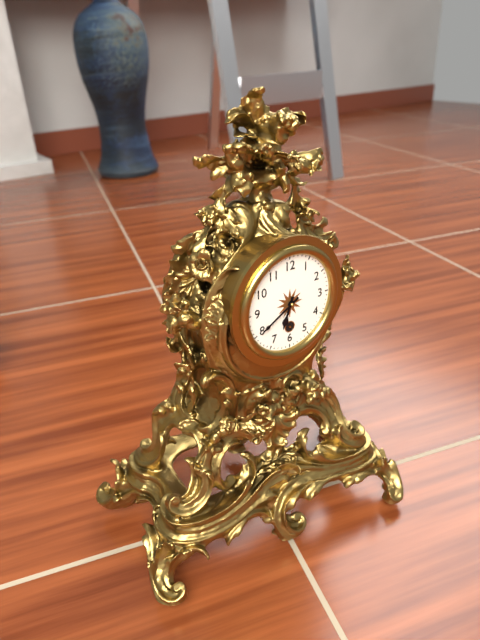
6.40
